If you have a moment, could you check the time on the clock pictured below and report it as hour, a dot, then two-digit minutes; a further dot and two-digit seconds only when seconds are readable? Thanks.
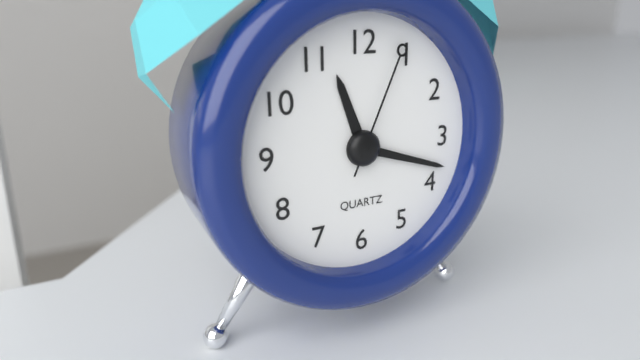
11.18.04
